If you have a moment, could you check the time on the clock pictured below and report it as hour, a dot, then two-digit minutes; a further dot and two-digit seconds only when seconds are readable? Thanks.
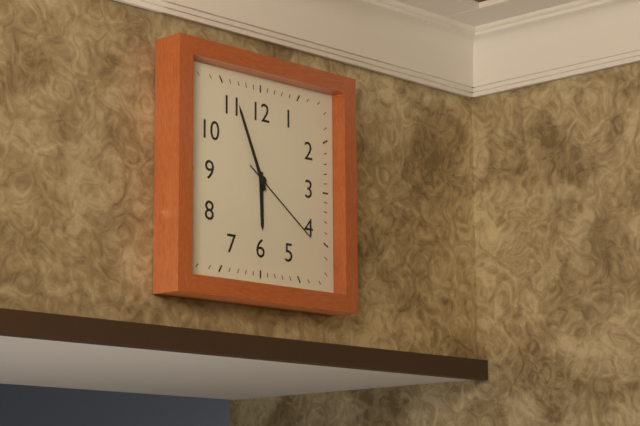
5.56.21
